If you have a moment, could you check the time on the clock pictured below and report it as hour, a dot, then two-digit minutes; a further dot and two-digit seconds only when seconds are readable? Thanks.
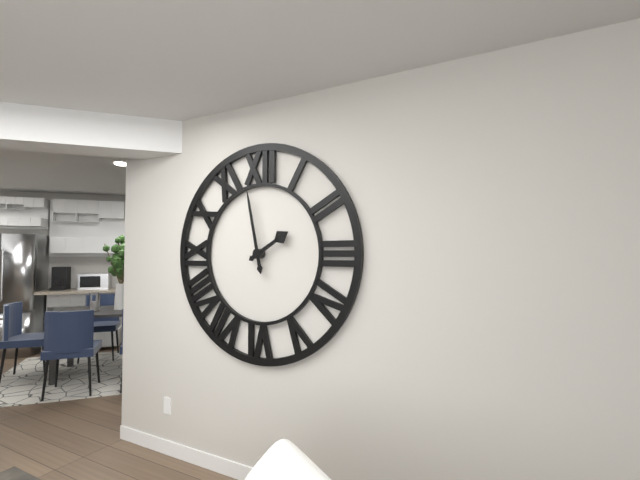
1.58
